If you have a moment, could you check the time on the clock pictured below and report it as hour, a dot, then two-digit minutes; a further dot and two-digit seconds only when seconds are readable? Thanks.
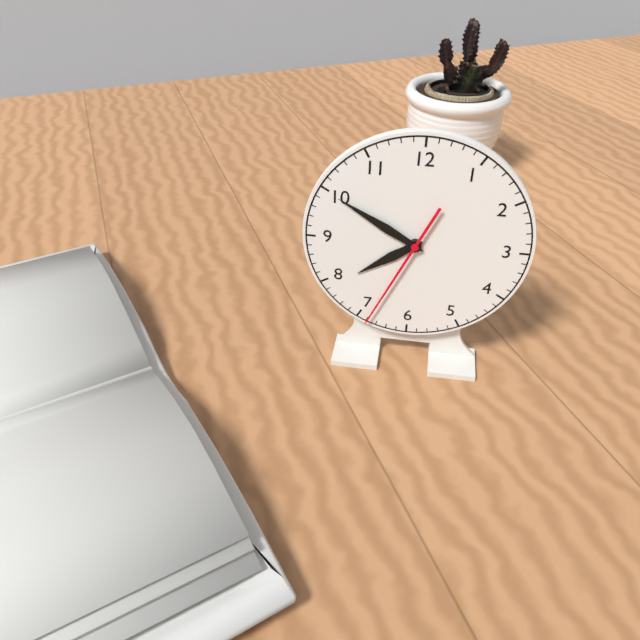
7.50.34
